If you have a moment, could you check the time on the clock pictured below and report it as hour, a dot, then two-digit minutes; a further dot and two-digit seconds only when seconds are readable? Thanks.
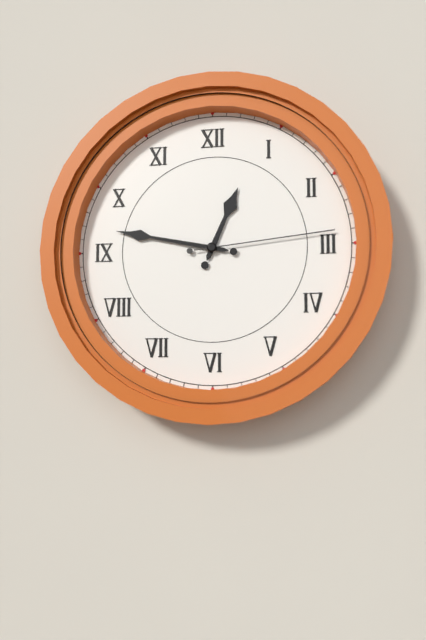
12.47.14
